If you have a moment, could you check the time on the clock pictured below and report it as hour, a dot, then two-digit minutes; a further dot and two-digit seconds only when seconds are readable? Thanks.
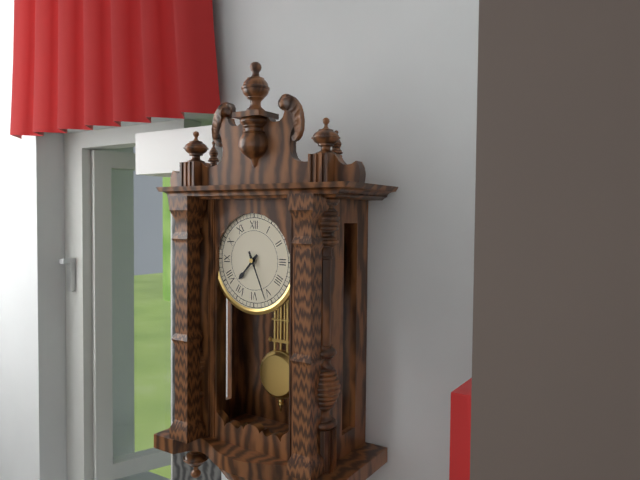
7.26
